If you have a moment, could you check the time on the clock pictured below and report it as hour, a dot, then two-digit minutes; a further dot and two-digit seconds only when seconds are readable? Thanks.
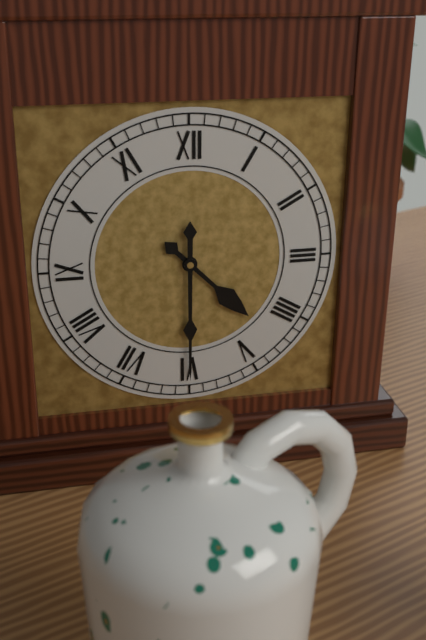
4.30
